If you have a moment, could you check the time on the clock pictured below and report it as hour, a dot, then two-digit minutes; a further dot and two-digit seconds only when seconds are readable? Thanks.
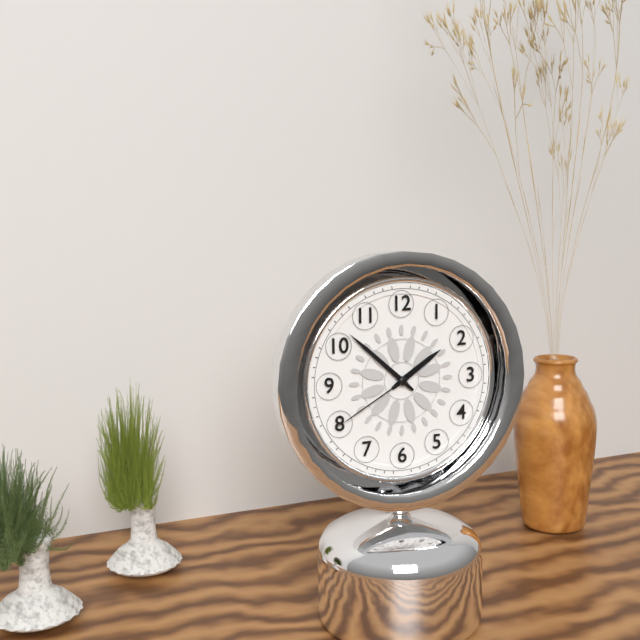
1.52.40
